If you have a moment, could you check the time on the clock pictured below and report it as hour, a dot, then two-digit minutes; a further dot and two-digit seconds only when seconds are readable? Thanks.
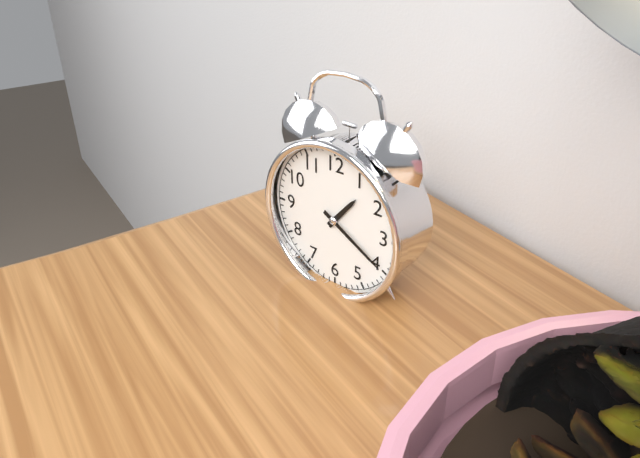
1.20
